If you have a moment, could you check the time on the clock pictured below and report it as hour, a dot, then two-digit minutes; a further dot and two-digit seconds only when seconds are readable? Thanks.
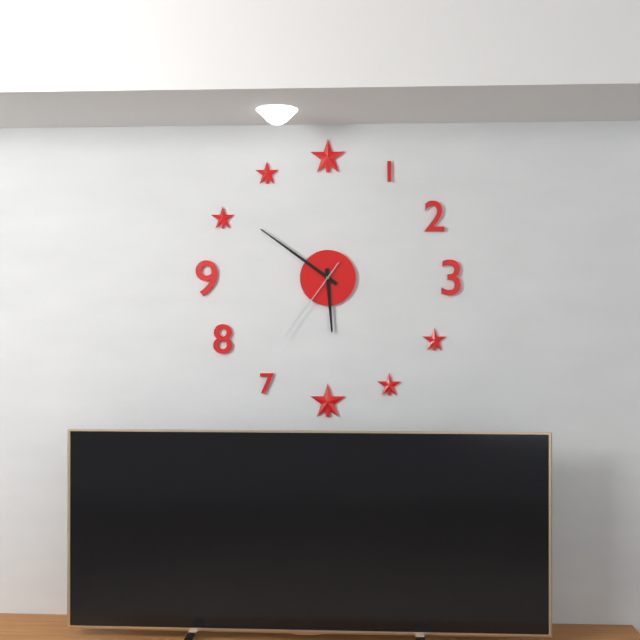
5.51.36
